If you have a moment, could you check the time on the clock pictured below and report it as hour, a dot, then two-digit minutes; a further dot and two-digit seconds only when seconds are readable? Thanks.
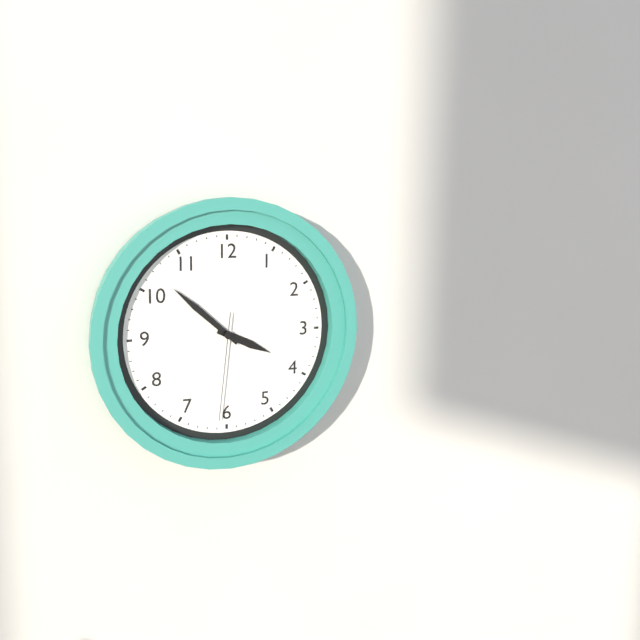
3.52.31
